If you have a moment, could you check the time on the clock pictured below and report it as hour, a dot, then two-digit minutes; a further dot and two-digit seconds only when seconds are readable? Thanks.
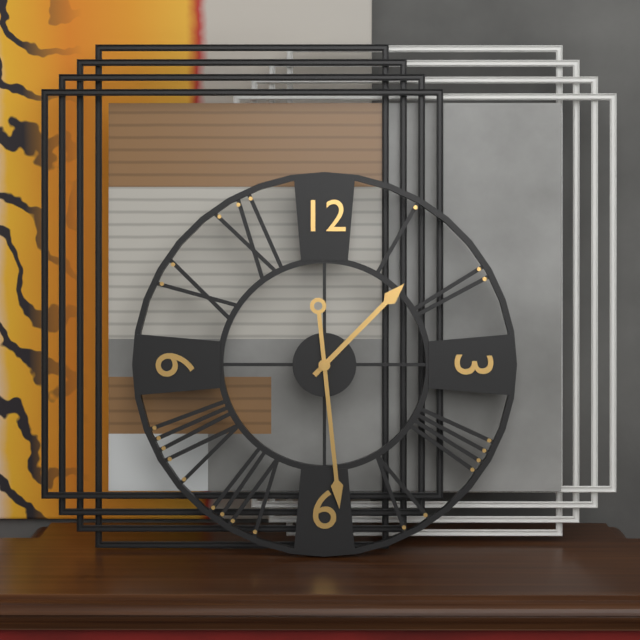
1.29
